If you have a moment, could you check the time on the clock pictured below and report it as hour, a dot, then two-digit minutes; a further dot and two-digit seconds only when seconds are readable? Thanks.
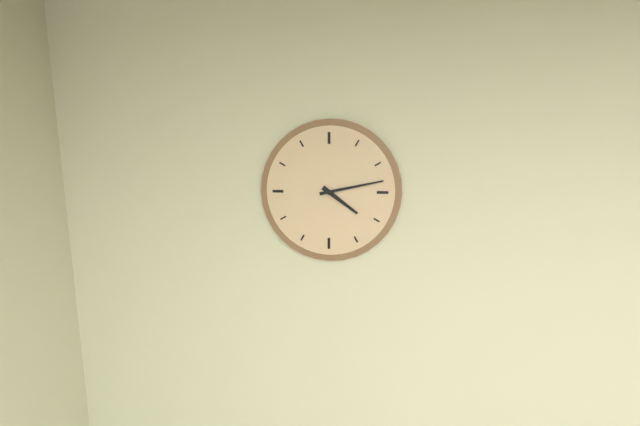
4.13
